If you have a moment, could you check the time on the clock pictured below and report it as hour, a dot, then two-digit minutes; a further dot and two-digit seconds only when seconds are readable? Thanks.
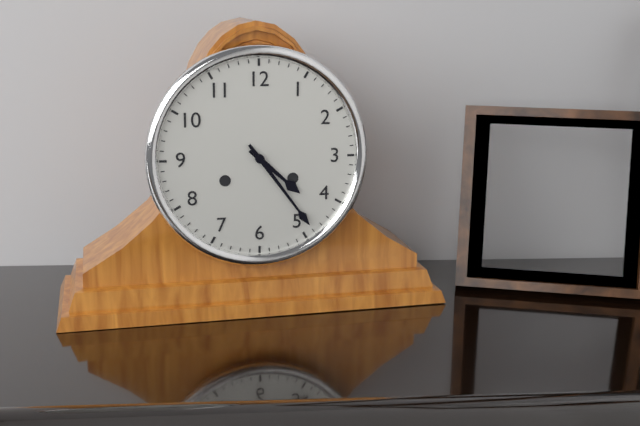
4.24
